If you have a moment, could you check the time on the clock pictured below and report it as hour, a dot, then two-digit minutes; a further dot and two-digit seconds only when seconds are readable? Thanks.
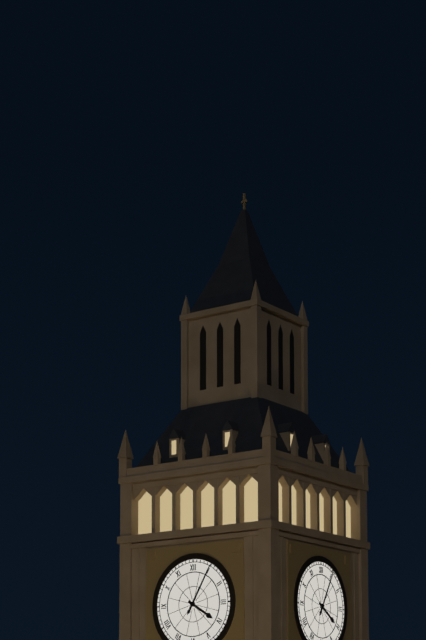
4.05
